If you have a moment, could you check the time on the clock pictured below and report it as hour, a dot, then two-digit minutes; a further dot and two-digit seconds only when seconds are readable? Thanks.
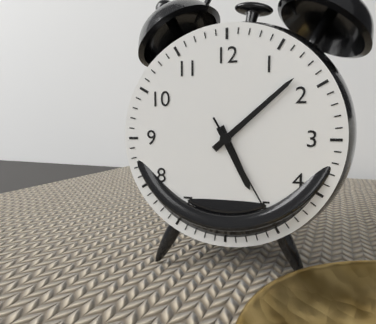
5.08.25
